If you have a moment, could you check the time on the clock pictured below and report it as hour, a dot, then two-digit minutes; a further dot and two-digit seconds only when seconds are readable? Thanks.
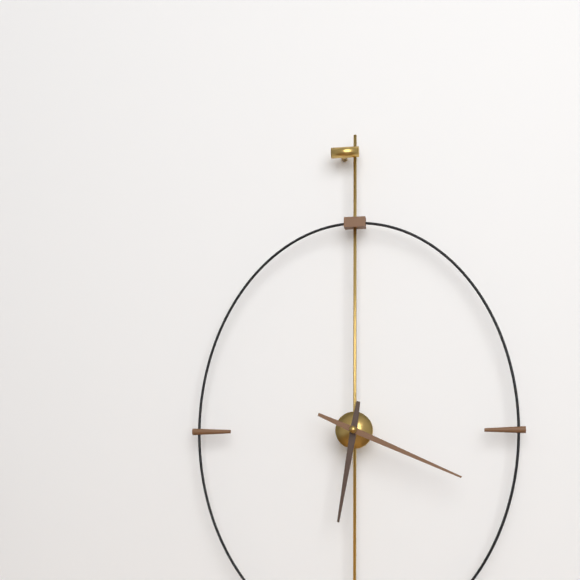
6.19
